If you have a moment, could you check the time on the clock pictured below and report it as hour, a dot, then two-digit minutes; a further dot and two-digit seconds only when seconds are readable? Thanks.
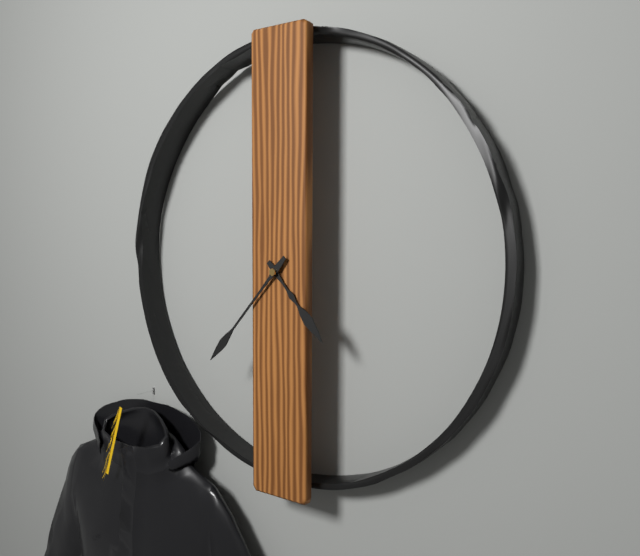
4.37
